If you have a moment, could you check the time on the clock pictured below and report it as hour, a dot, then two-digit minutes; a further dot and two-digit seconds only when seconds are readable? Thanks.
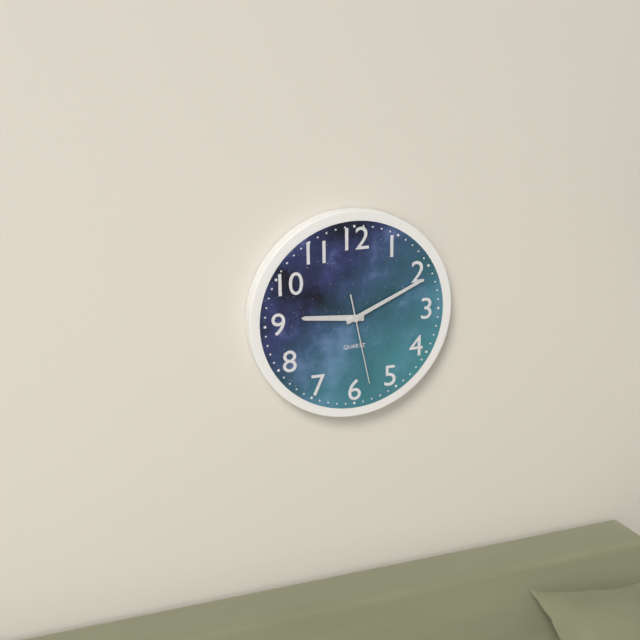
9.11.28
